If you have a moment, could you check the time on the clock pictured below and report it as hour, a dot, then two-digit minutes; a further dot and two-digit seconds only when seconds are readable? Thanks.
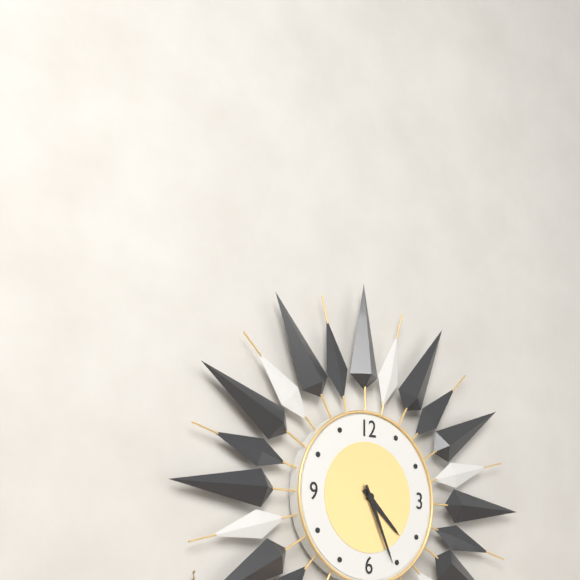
4.26
